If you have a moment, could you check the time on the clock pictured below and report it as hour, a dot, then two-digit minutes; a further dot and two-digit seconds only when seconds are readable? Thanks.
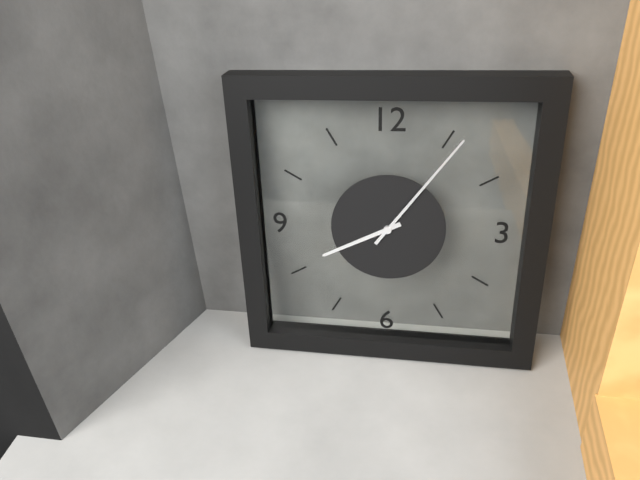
8.06
